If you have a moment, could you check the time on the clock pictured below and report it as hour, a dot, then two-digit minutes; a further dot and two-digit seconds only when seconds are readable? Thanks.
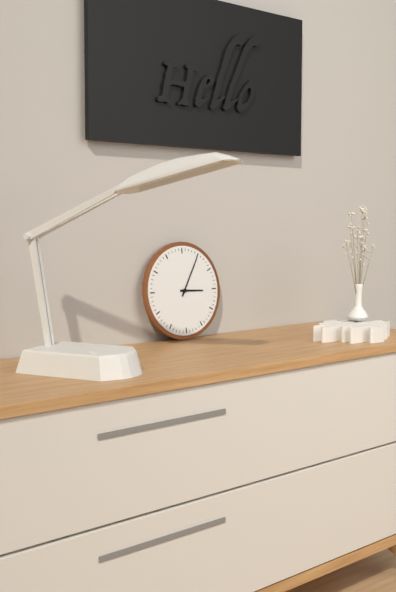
3.05
